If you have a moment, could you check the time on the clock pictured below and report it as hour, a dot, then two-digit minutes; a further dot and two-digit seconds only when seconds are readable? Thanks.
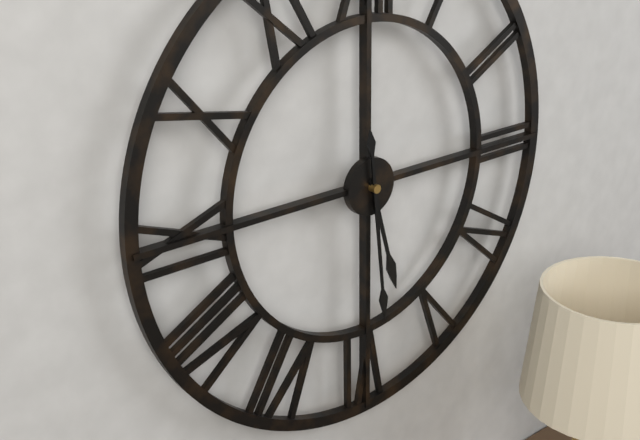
5.29
